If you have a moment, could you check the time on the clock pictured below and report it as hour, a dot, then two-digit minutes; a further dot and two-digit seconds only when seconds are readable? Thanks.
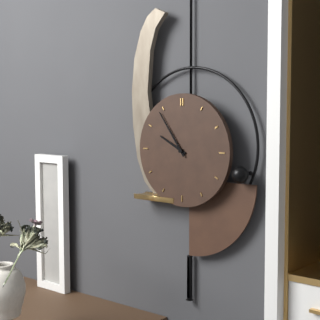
9.54
